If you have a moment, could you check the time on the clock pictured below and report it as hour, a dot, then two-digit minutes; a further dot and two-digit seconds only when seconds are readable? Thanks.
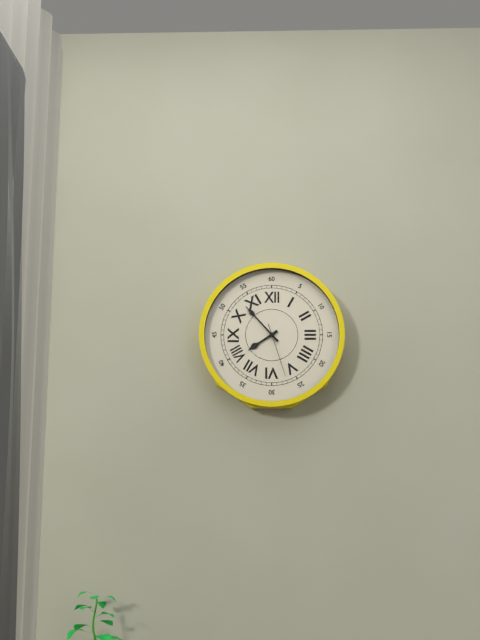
7.53.27
